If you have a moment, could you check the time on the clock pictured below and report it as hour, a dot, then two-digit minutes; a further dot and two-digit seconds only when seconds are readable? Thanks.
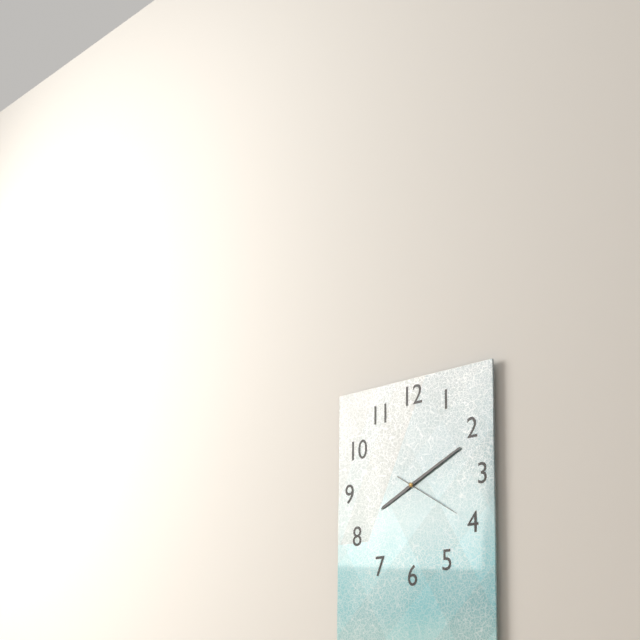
8.11.20
